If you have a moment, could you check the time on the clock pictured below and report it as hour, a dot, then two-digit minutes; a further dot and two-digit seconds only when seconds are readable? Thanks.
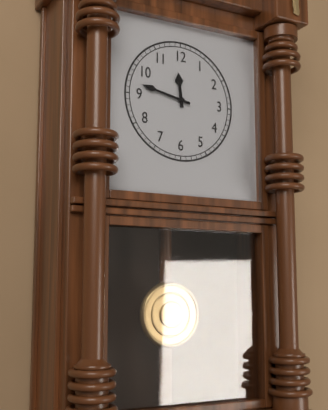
11.47
